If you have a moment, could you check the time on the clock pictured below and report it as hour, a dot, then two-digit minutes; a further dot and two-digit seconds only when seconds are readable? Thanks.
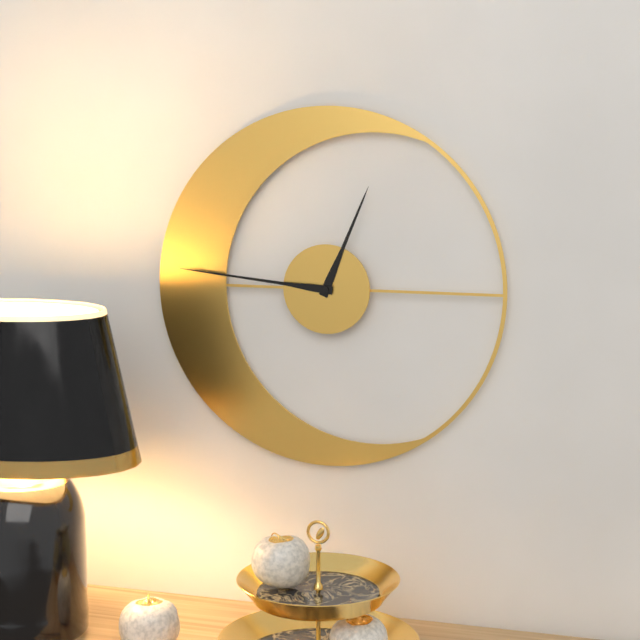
12.46
